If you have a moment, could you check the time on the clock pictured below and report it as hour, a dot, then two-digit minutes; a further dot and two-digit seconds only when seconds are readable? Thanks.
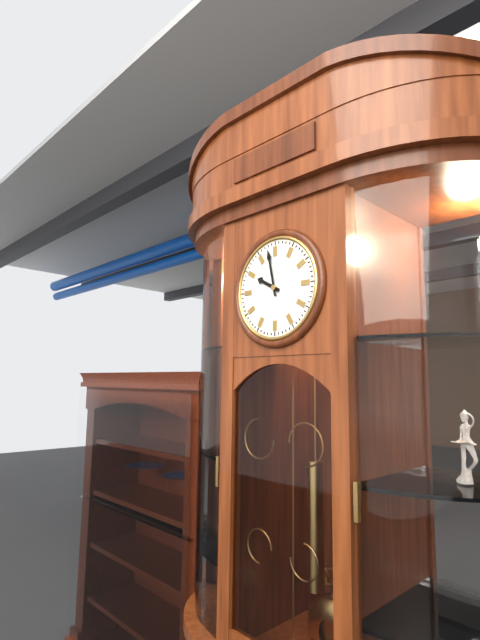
9.58
